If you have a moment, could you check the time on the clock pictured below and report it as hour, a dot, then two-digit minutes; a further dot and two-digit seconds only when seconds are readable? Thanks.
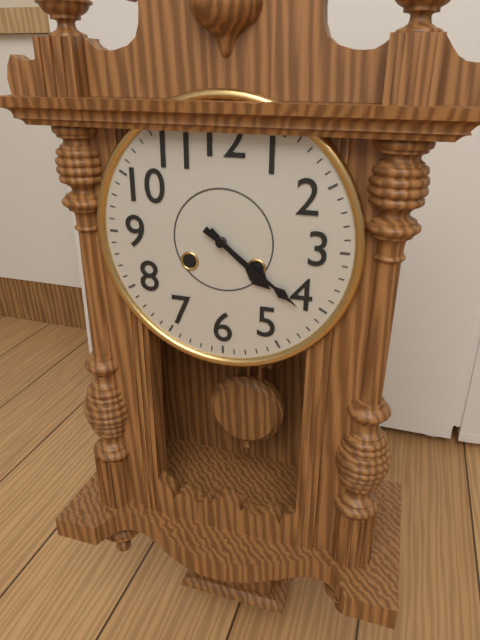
4.21
